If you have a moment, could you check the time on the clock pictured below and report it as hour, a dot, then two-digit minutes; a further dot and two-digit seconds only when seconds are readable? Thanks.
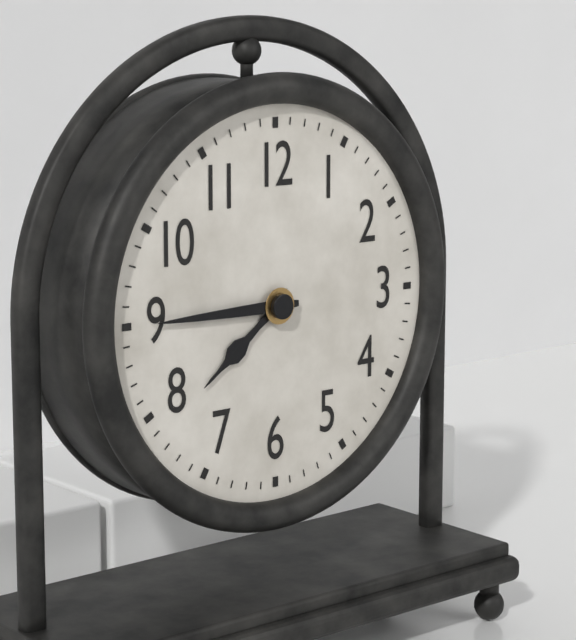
7.45
